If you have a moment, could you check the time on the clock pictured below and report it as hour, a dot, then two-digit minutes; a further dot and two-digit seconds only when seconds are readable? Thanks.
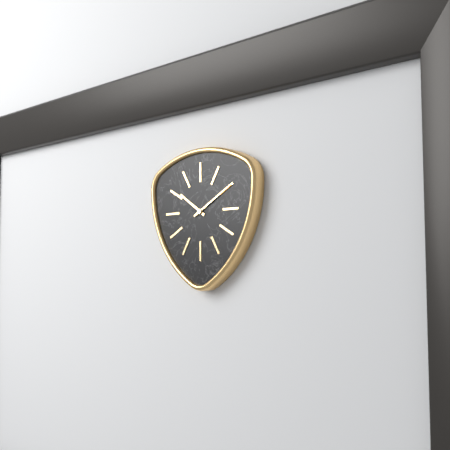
10.10
